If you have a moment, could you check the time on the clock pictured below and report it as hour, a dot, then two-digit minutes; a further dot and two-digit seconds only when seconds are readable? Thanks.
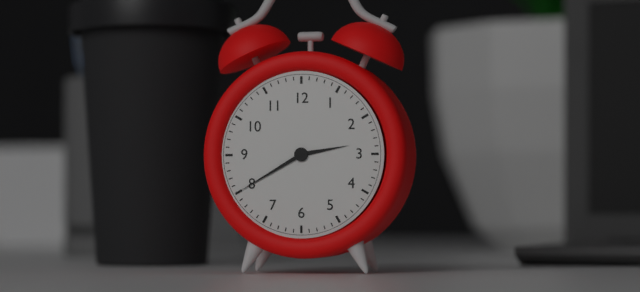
2.40
